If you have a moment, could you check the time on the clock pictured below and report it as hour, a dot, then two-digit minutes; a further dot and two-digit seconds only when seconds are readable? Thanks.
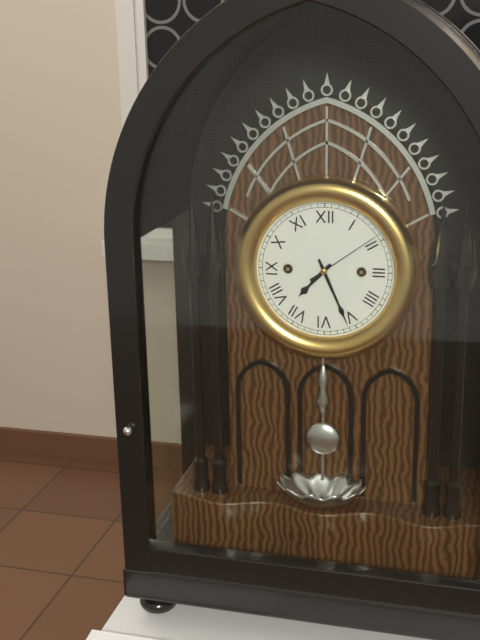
7.26.09
